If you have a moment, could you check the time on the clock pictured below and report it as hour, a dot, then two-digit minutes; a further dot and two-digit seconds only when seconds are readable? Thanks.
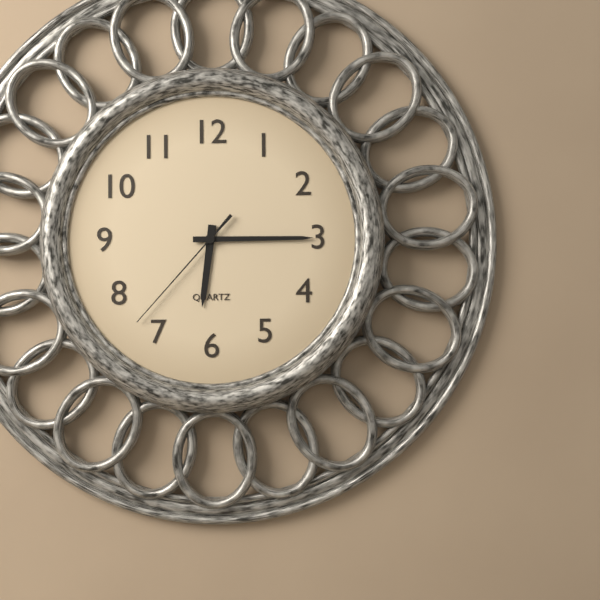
6.15.37
